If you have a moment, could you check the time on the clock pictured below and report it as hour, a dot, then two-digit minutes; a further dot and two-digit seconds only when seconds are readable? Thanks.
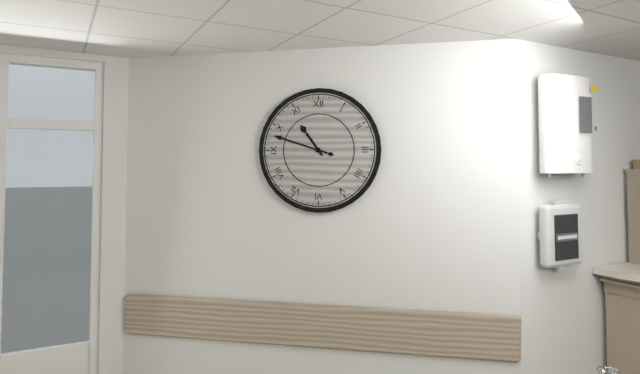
10.48
